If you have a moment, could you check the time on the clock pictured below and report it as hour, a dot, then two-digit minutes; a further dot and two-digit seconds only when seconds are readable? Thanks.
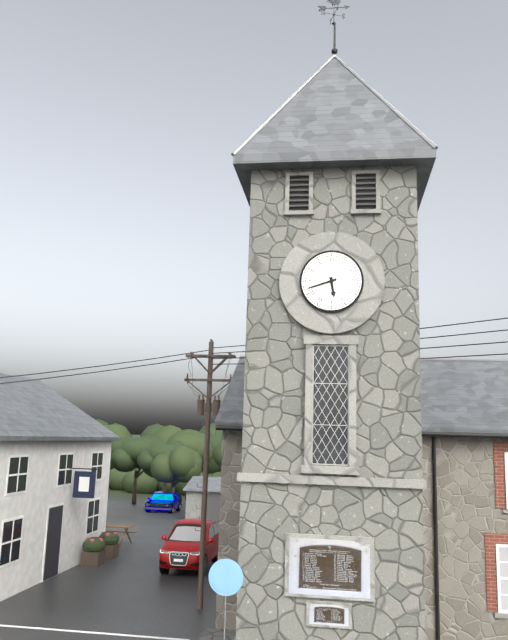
5.42
